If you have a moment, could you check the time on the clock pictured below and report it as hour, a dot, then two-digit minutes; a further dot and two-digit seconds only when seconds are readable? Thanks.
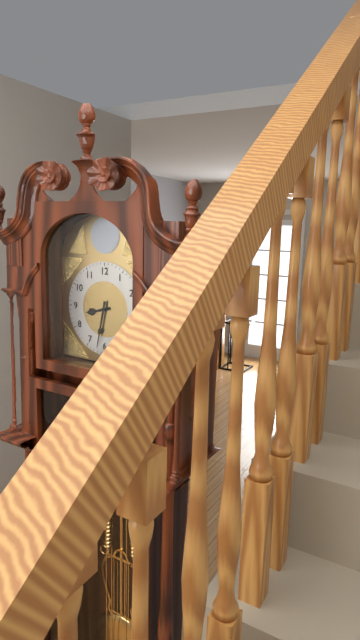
8.32
